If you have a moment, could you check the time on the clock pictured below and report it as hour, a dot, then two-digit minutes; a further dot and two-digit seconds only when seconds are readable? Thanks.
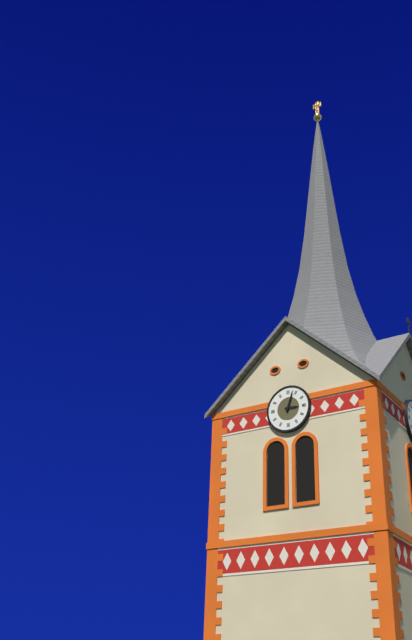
3.03
